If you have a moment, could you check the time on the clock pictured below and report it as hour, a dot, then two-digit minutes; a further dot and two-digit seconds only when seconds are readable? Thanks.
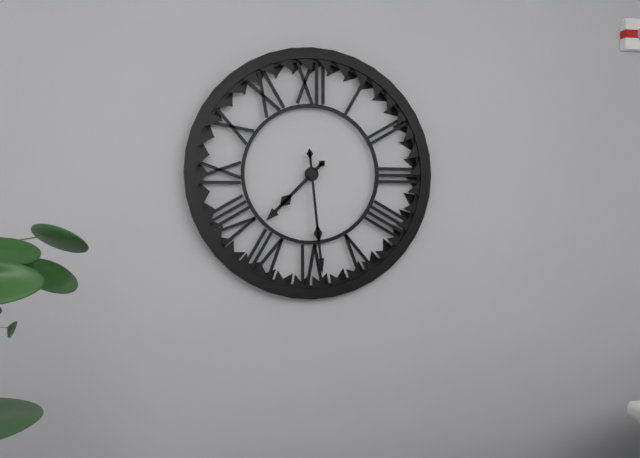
7.29
